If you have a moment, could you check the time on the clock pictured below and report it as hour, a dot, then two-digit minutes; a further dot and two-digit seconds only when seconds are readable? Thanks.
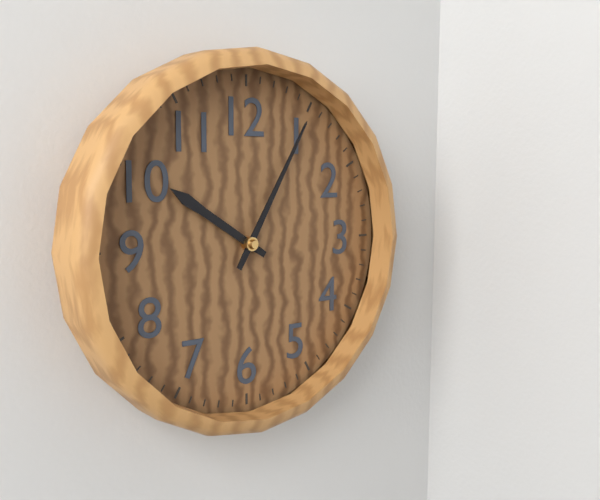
10.05
